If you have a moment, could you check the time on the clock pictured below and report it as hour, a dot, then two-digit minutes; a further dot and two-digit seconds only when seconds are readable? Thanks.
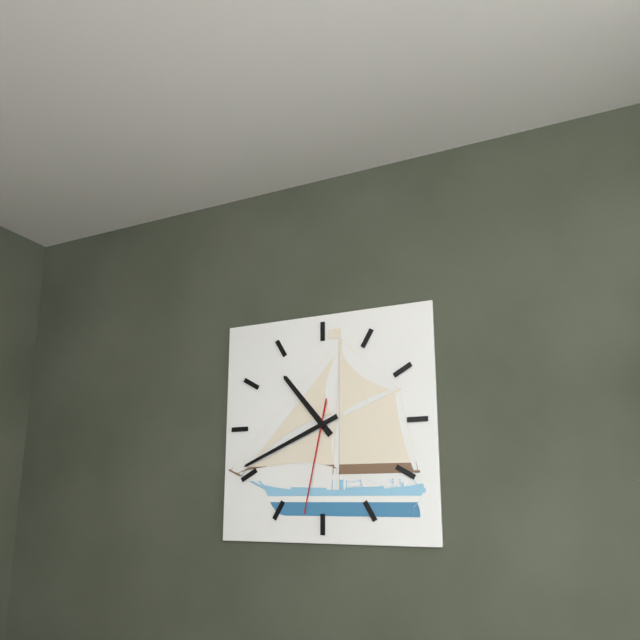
10.41.32
